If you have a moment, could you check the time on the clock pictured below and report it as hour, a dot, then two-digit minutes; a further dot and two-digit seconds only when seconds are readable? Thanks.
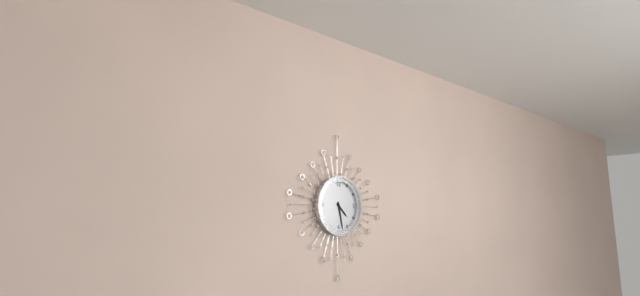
4.28
